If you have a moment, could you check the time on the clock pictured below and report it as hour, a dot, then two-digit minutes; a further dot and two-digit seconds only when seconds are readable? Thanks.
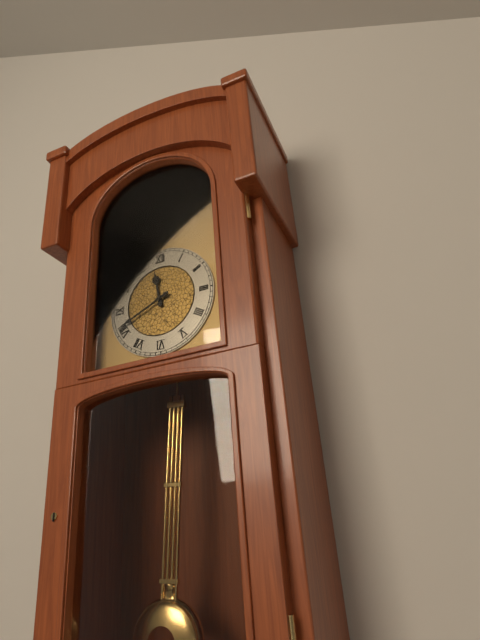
11.41
